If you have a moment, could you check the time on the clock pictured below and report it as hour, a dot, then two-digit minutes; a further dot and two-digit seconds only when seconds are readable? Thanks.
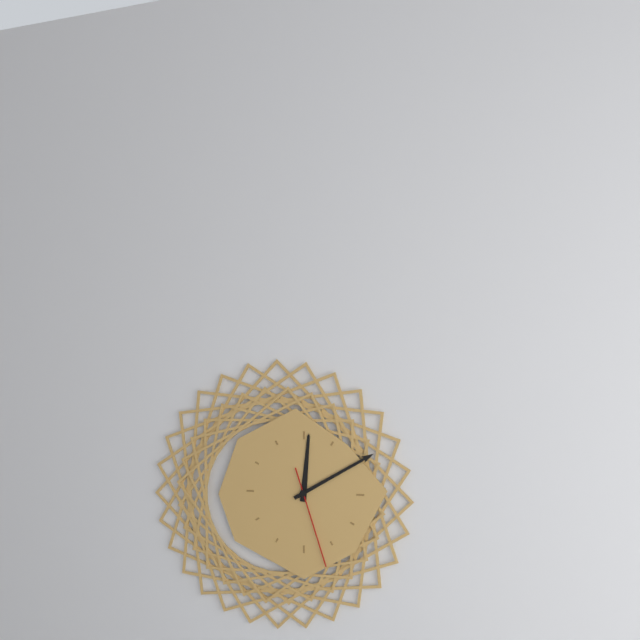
12.10.27
